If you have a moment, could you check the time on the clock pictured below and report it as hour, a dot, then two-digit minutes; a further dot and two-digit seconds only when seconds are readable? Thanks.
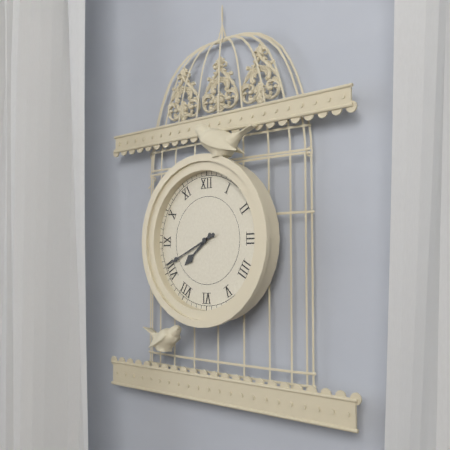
7.41
